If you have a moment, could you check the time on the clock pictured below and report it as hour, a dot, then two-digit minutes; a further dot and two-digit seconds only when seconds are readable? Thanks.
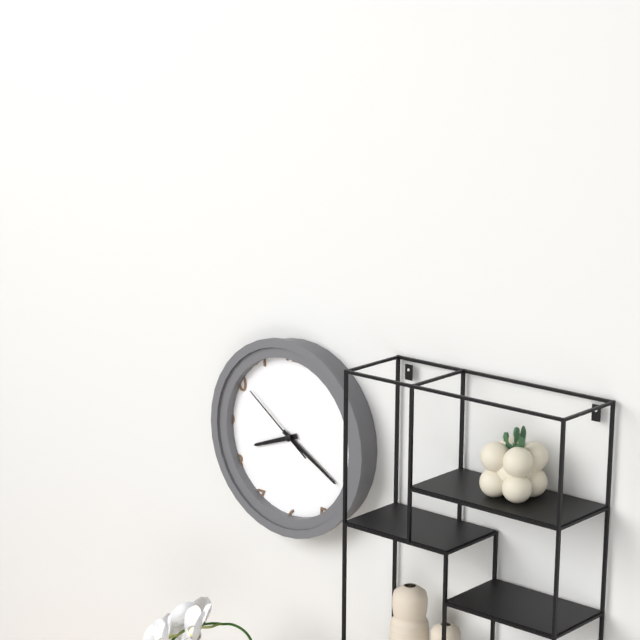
8.20.51
